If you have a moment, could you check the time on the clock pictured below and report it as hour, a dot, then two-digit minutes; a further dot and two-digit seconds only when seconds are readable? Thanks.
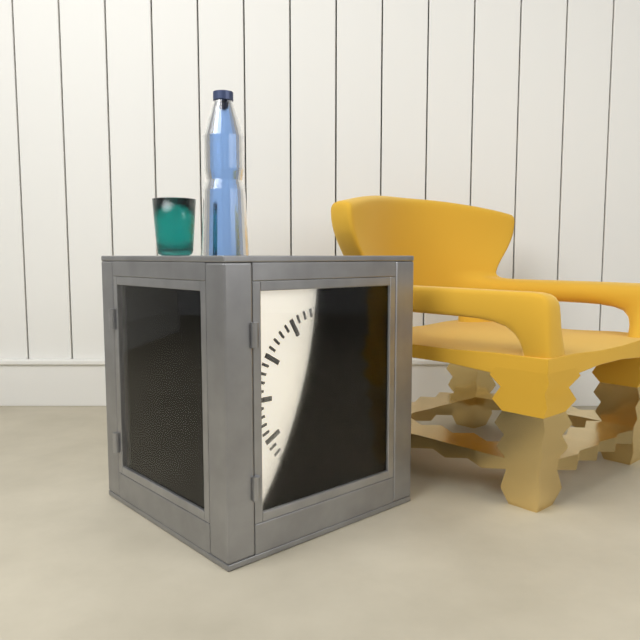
12.36
